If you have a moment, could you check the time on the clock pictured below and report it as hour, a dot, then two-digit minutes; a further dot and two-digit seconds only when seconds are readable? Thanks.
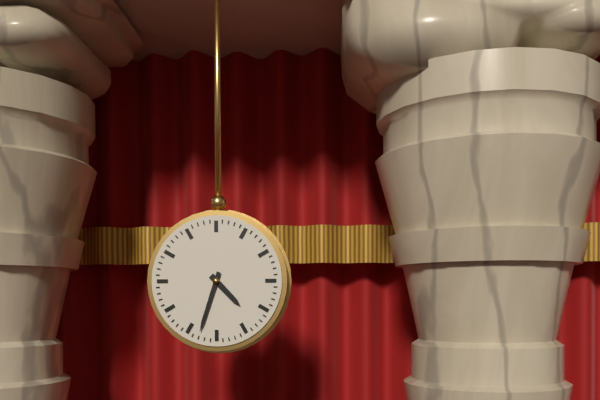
4.33
